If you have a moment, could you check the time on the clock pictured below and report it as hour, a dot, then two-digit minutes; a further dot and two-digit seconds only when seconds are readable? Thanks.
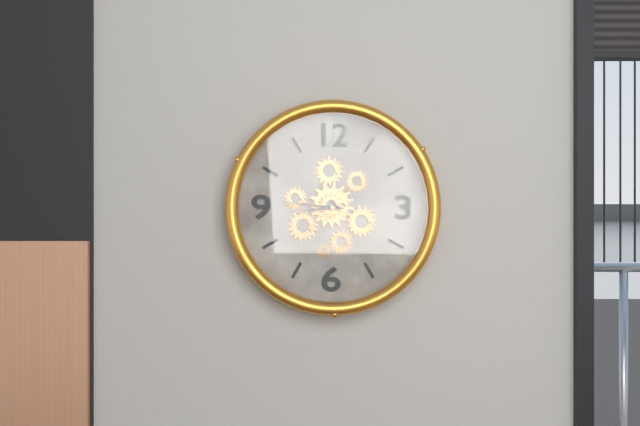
8.46
